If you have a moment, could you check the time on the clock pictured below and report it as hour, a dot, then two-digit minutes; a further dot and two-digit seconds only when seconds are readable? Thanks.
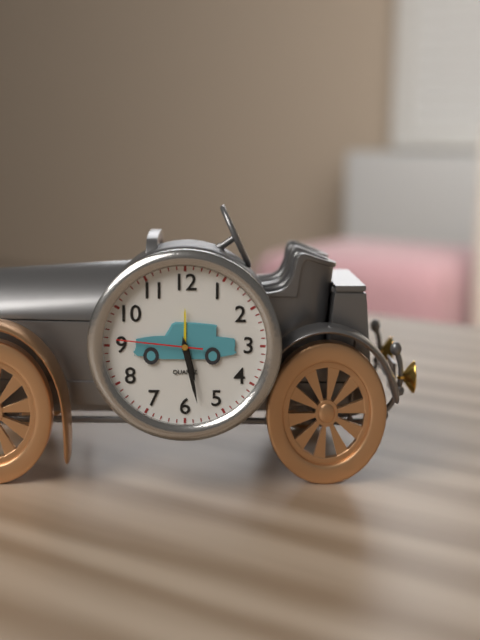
5.28.46
